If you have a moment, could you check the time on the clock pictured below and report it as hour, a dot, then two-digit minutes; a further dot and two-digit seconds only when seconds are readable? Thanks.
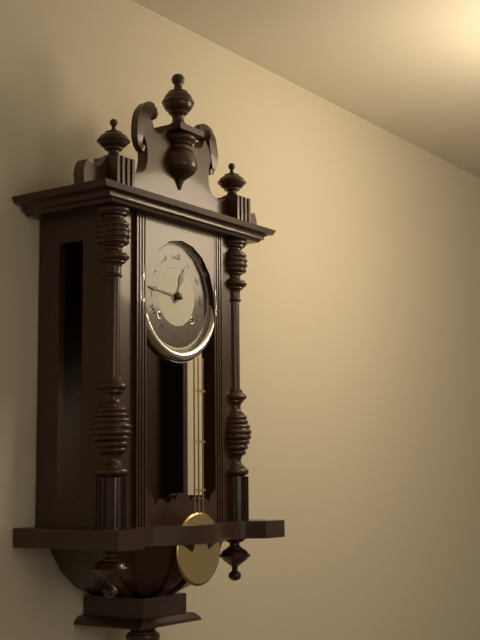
12.46
